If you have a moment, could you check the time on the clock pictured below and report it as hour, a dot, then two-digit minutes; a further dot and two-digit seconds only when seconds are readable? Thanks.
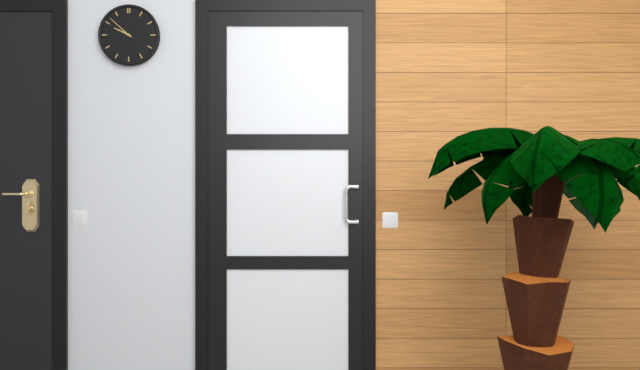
9.52
